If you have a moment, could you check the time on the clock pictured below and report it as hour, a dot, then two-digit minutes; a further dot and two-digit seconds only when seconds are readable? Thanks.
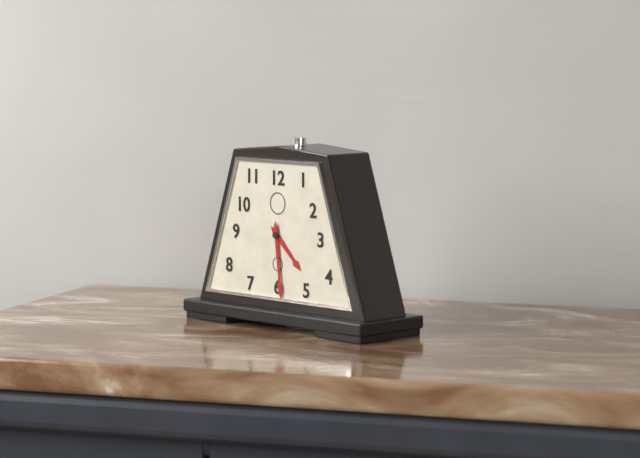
4.29
